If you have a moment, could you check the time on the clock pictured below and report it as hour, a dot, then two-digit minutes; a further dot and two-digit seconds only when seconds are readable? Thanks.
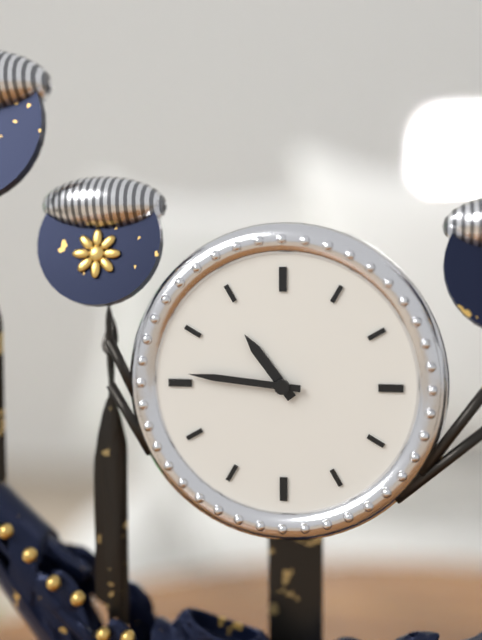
10.46
